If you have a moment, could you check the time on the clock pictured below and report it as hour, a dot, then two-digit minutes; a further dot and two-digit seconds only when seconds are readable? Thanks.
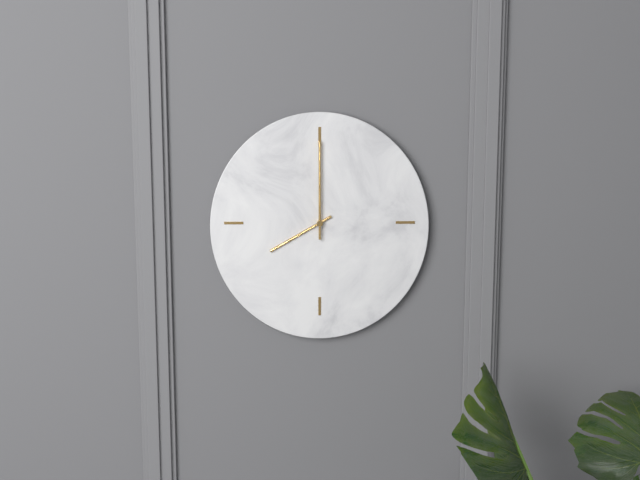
8.00
